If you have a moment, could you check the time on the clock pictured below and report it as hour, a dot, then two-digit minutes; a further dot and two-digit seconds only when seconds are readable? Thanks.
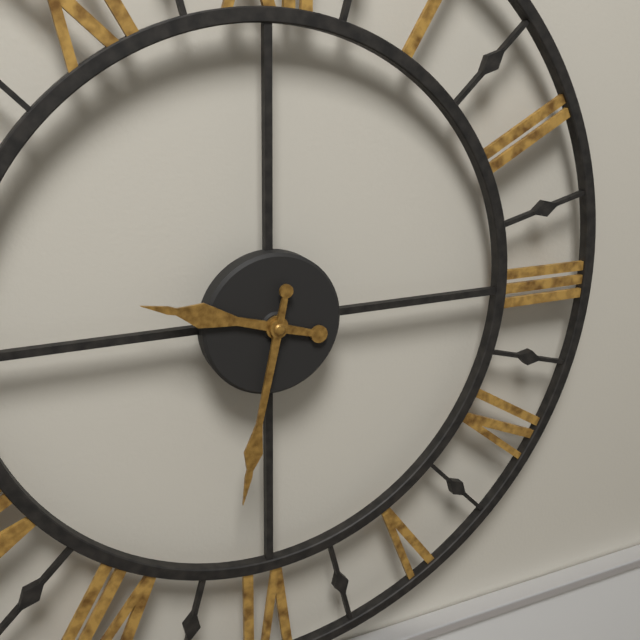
9.32
